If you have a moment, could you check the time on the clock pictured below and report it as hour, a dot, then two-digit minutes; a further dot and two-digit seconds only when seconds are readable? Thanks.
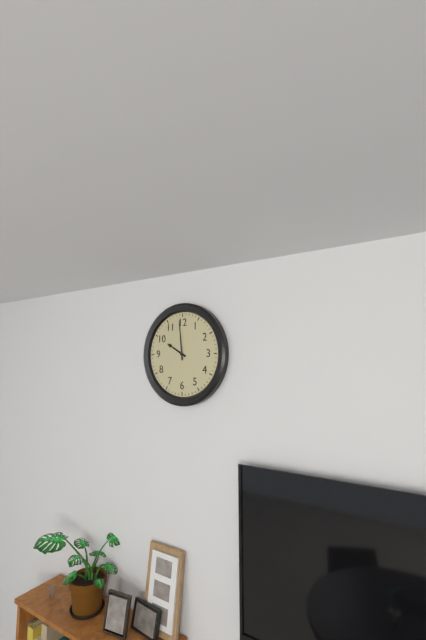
9.59
